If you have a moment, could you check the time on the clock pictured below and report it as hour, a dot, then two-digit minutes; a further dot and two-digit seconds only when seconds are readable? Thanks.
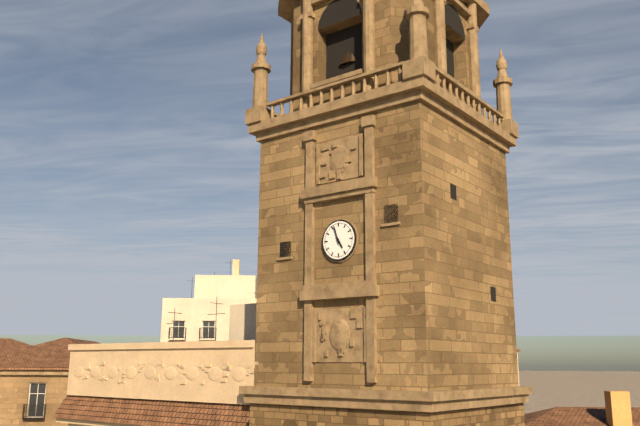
4.57
